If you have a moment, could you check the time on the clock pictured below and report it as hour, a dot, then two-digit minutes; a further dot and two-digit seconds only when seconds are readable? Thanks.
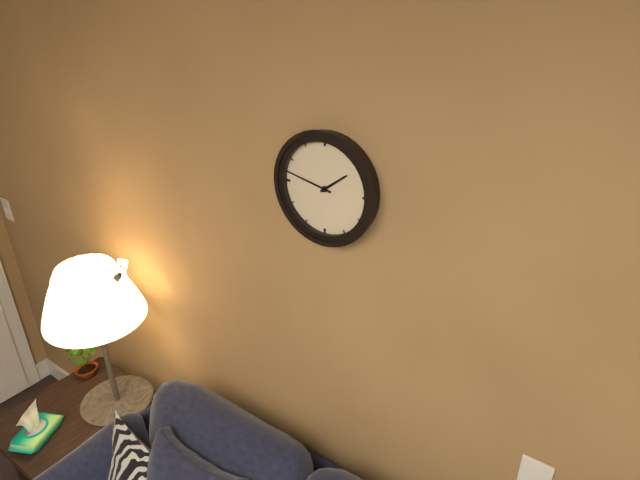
1.47
